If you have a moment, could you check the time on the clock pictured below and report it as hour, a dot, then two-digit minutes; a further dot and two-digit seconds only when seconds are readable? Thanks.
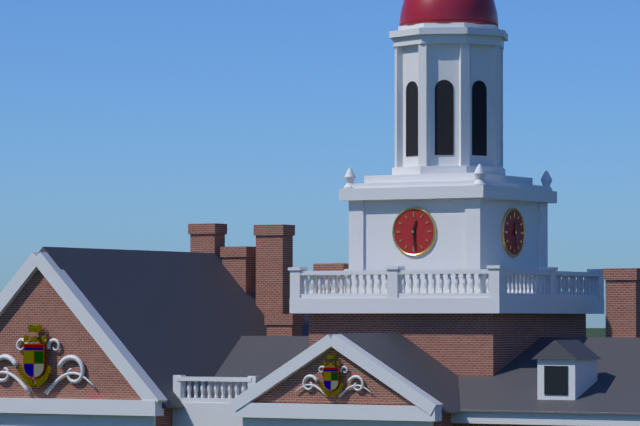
12.29
